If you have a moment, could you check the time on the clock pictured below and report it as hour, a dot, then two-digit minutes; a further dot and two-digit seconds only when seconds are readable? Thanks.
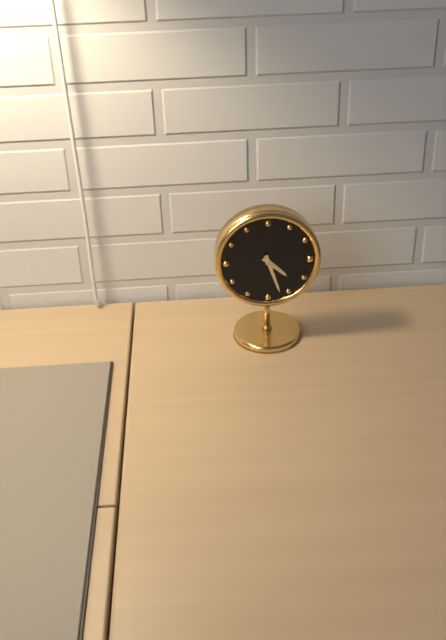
4.27
